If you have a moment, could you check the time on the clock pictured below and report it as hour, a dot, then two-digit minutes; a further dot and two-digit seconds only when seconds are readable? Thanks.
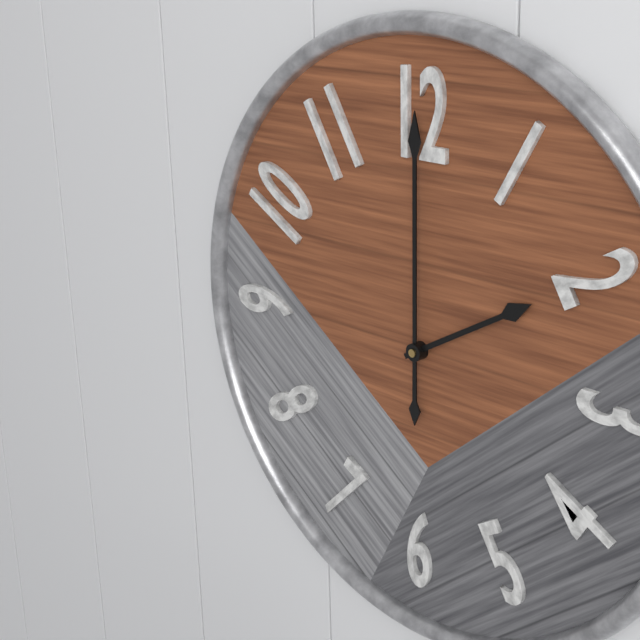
2.00
